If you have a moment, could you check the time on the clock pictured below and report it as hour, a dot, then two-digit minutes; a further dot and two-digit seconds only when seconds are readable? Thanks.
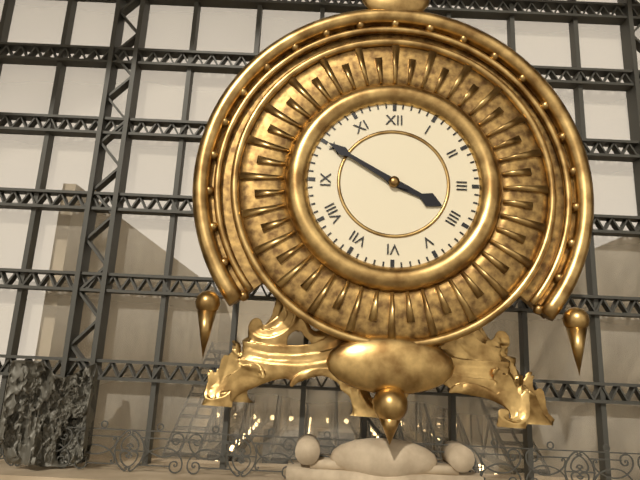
3.50
